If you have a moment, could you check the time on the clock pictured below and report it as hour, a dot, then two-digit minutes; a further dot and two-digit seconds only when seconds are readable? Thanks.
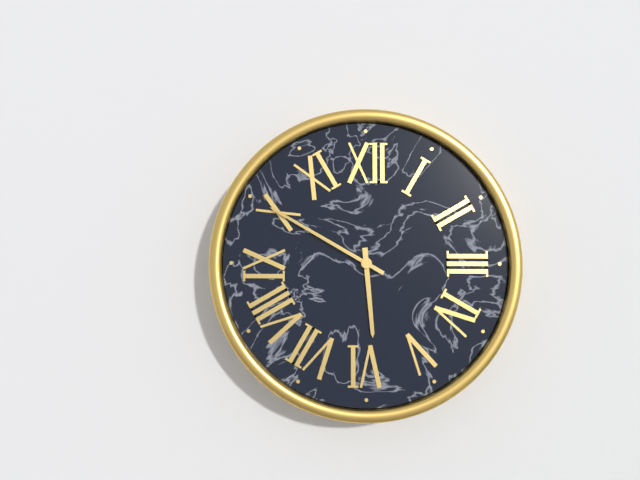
5.50
